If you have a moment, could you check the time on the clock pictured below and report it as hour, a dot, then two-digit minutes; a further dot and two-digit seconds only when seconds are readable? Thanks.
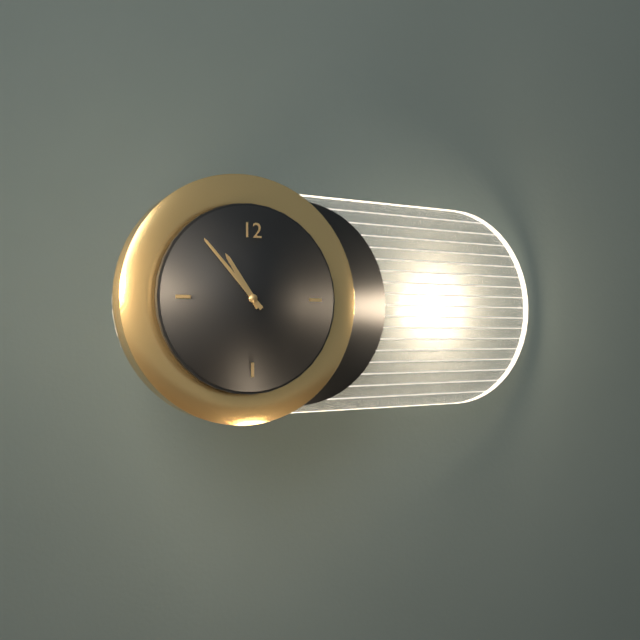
10.53
